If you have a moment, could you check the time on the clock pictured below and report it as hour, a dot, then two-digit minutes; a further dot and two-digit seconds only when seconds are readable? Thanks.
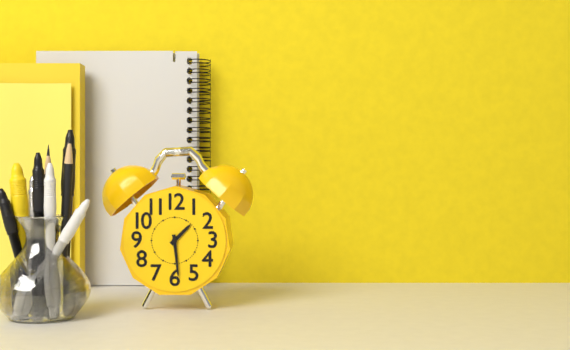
1.29
